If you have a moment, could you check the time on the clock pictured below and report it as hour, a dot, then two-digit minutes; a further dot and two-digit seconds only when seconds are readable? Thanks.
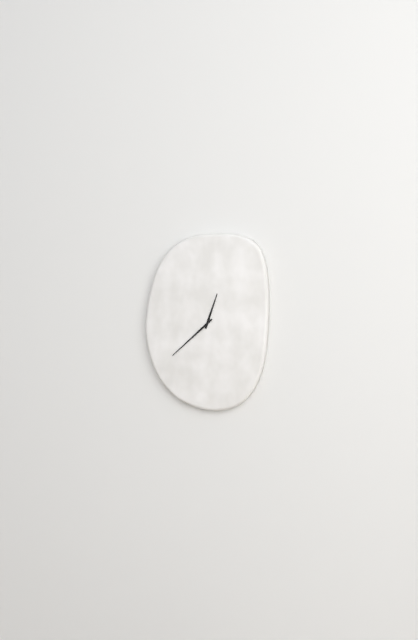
12.38
